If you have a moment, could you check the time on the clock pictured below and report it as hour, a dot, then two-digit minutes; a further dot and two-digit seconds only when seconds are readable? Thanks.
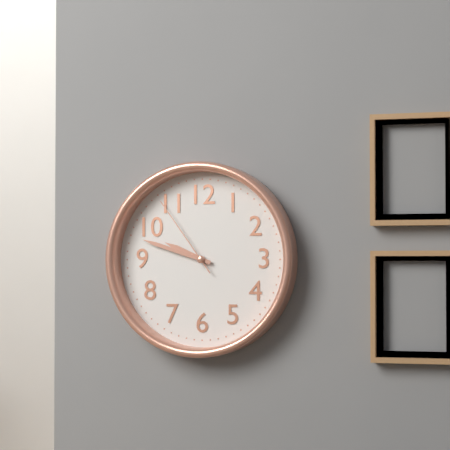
9.48.54
